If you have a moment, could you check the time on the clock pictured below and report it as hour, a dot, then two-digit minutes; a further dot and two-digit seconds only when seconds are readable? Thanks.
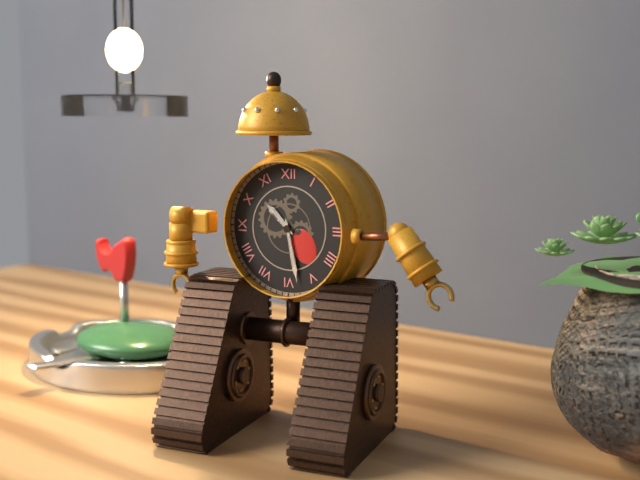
10.28
